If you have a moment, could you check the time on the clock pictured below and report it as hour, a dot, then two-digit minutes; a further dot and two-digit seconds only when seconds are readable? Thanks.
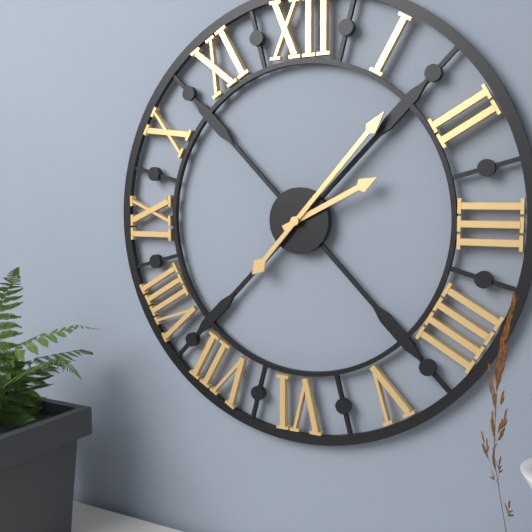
2.07
